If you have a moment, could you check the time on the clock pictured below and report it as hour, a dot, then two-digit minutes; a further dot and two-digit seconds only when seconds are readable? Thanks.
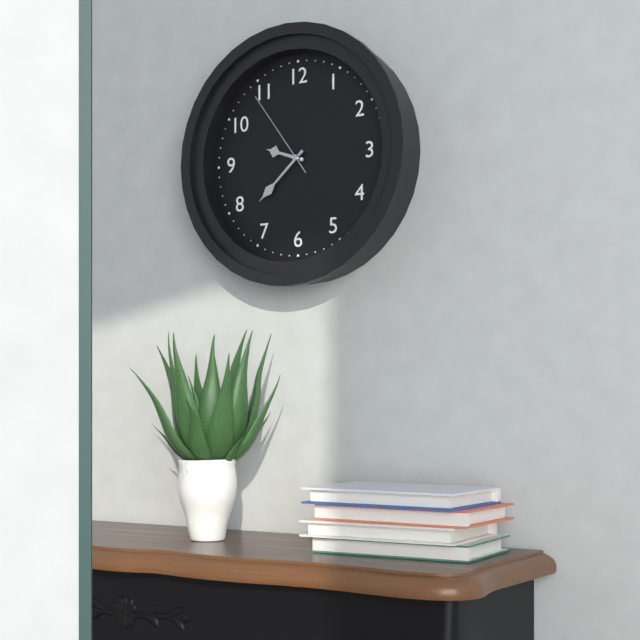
9.38.54
